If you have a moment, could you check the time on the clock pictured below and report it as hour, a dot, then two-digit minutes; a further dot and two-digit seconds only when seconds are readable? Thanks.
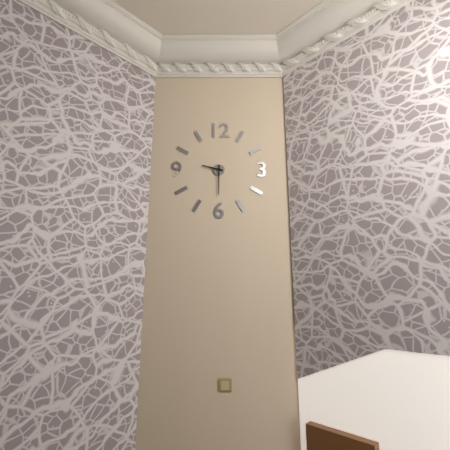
9.30
